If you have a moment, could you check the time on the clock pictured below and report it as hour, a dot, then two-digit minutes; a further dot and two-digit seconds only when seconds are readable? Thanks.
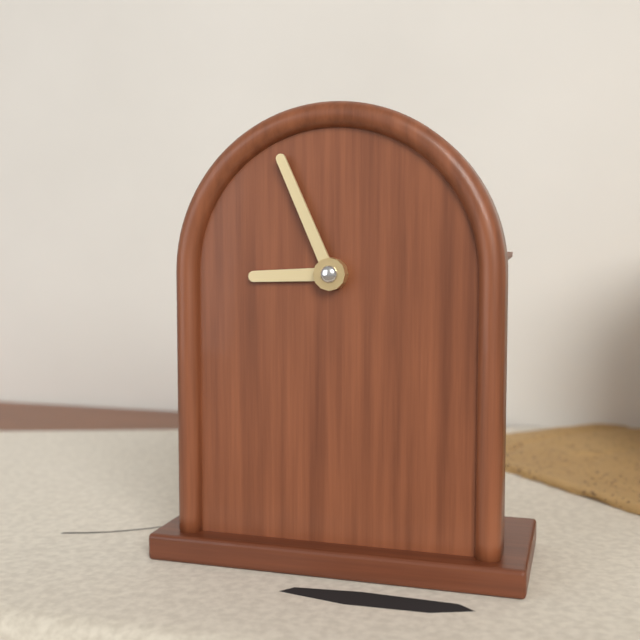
8.56
